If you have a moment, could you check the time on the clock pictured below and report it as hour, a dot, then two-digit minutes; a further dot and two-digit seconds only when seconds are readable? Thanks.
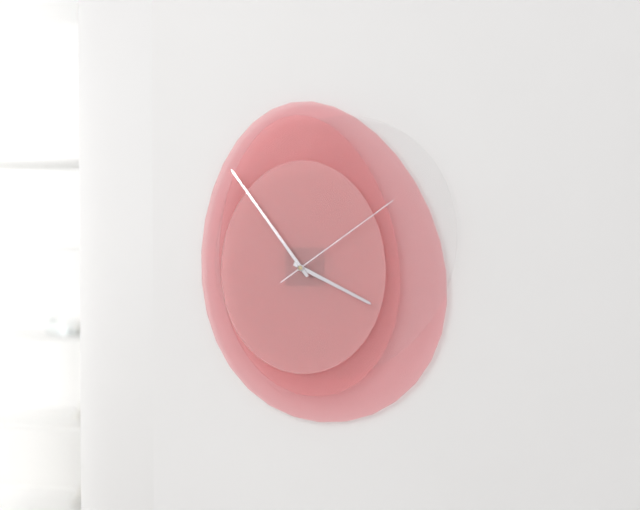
3.54.09
